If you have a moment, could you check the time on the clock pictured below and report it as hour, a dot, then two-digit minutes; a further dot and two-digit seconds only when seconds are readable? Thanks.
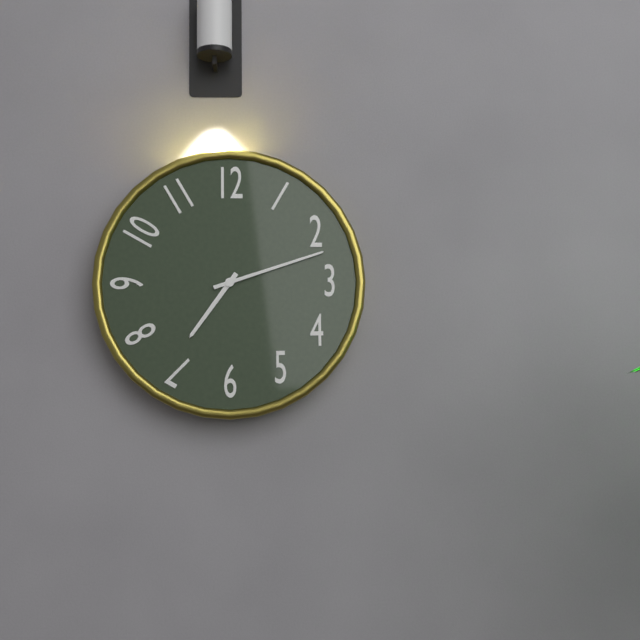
7.12
